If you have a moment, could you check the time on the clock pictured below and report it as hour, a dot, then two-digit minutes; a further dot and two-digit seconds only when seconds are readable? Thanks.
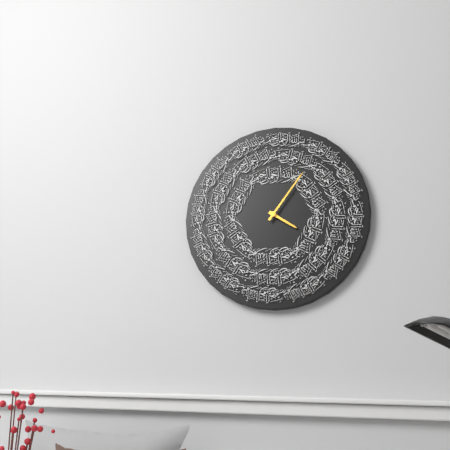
4.06
